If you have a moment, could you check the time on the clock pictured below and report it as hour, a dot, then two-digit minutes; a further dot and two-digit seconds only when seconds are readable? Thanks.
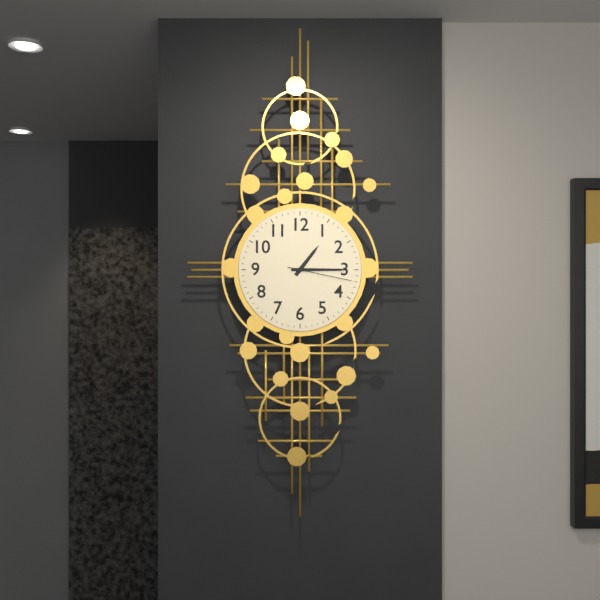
1.15.17
